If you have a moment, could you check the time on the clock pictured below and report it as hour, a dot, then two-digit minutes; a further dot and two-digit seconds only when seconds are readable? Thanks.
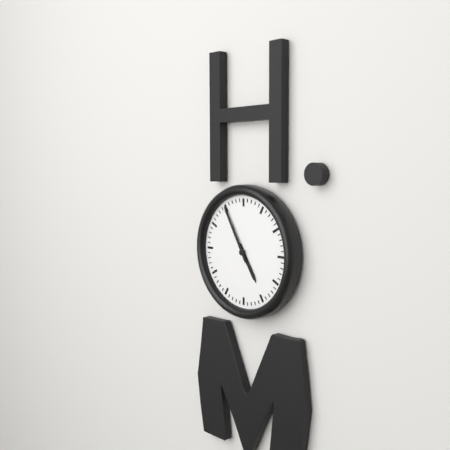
4.55
